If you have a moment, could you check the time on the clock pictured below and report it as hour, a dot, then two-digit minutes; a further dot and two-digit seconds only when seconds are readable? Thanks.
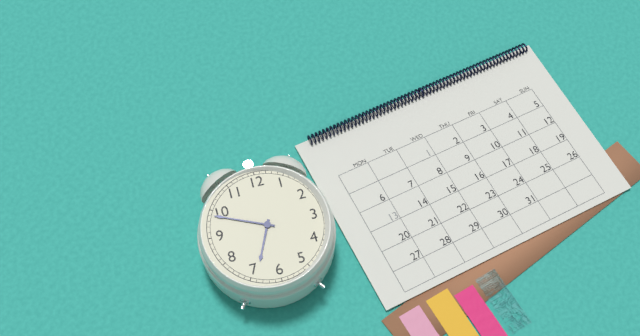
6.49
